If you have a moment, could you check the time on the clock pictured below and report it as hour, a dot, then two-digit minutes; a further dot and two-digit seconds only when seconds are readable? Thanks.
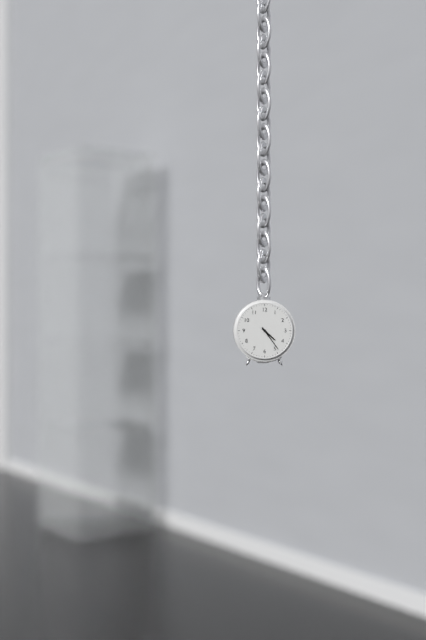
4.24
